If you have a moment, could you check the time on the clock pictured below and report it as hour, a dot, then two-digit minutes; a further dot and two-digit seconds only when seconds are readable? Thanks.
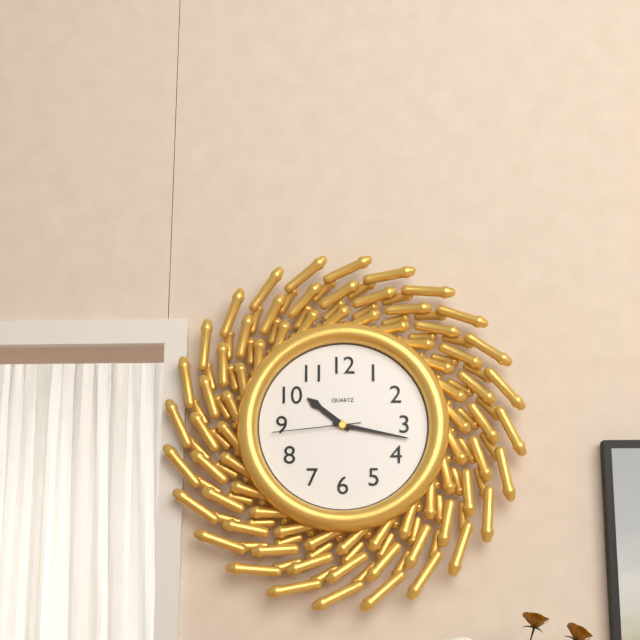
10.17.44
